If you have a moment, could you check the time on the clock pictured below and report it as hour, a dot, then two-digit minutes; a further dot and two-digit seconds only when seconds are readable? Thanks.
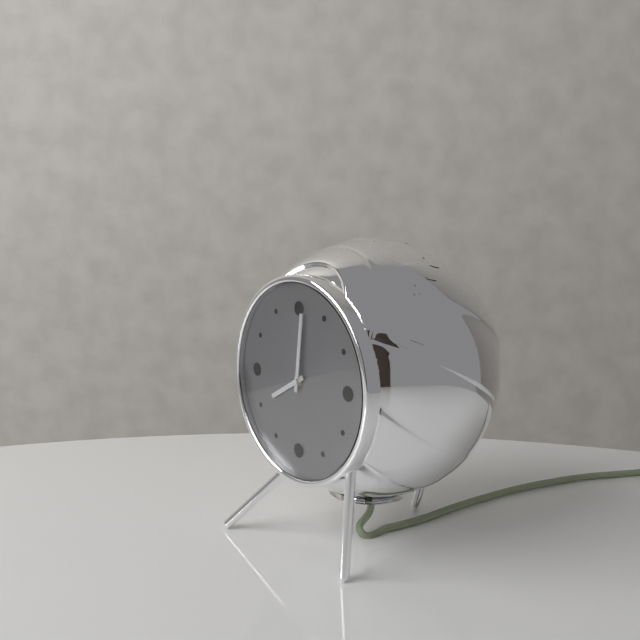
8.01
